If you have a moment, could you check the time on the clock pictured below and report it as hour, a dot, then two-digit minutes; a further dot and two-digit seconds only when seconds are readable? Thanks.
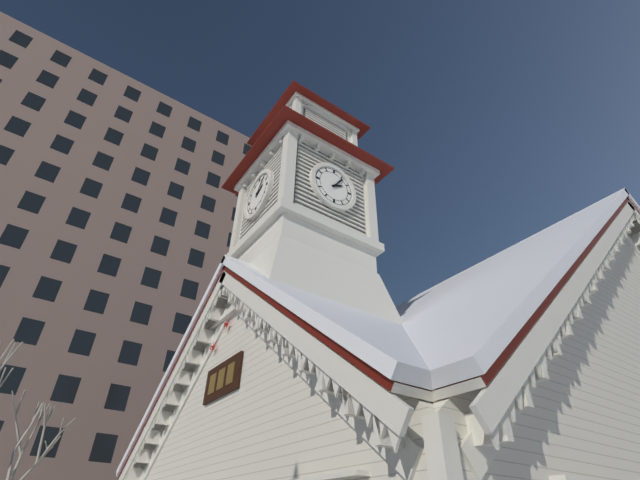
2.06
